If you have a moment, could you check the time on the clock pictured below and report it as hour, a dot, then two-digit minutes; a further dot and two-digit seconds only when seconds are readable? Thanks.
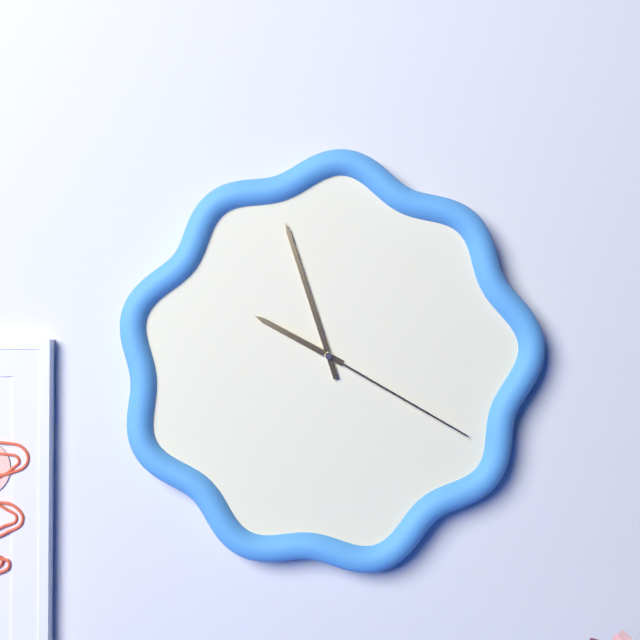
9.57.20
